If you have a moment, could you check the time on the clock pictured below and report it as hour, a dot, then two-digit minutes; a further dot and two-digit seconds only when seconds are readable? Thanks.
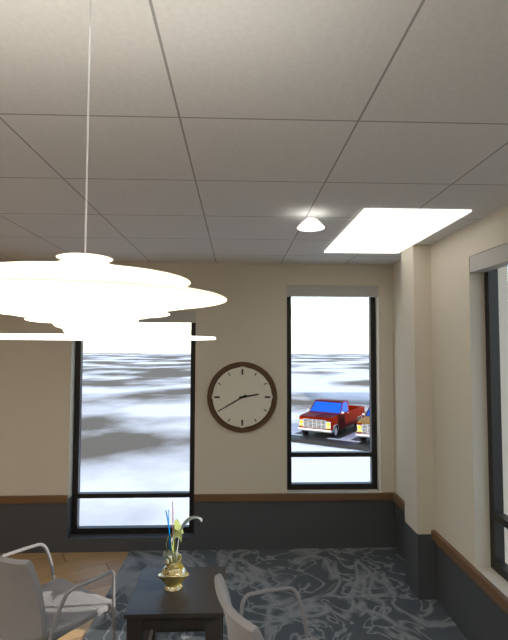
2.40
